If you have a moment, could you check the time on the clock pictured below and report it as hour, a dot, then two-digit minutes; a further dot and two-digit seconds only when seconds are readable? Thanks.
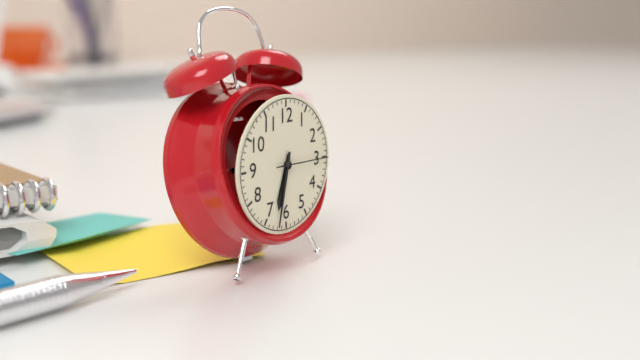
6.32.15
